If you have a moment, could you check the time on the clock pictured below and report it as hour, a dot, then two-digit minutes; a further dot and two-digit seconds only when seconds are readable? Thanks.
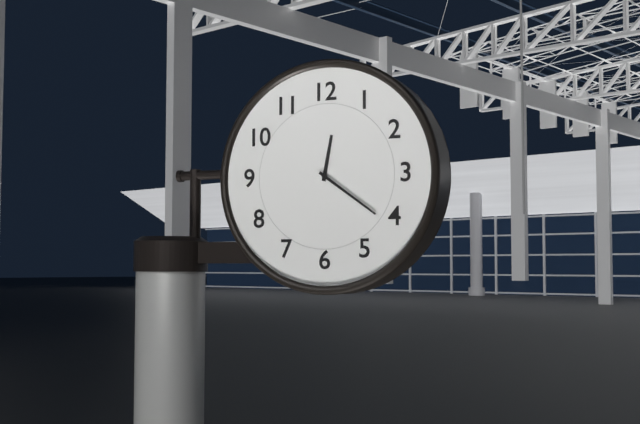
12.21
